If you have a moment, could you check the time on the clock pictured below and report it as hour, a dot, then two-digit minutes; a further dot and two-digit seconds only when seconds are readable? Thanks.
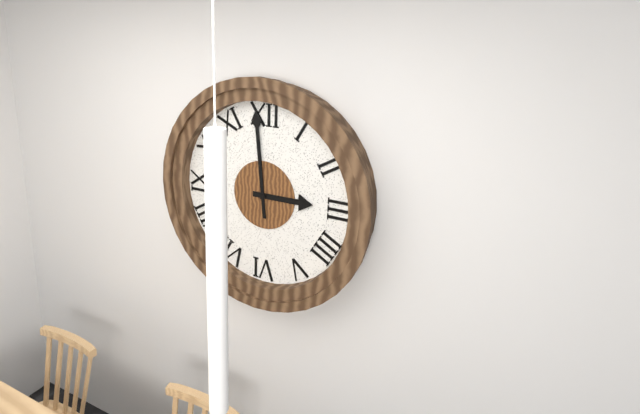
2.59
